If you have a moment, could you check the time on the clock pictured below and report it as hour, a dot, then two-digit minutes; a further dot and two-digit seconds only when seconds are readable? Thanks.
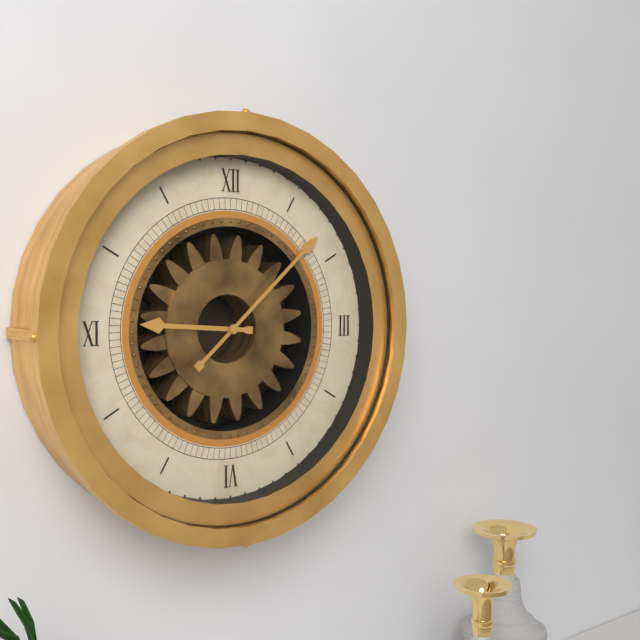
9.08
